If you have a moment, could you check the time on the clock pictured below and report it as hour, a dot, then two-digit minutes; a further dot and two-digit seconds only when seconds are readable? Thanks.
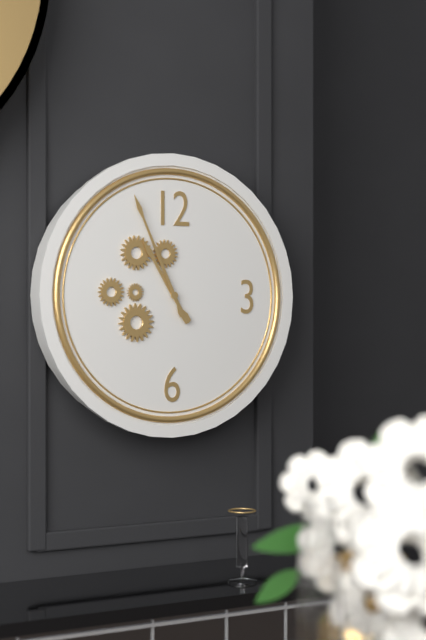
10.56
